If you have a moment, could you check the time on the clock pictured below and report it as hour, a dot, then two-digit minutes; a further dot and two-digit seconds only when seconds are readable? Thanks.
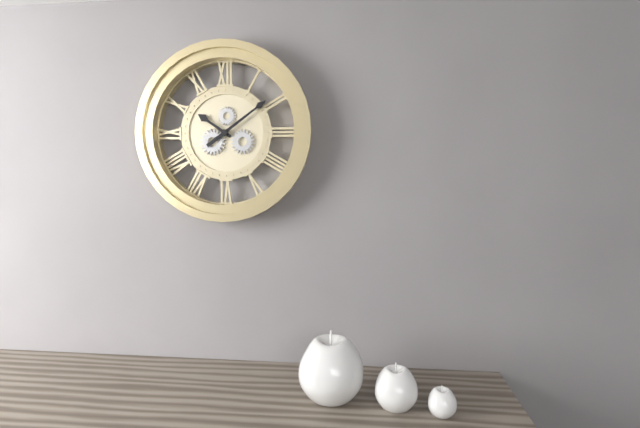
10.09
